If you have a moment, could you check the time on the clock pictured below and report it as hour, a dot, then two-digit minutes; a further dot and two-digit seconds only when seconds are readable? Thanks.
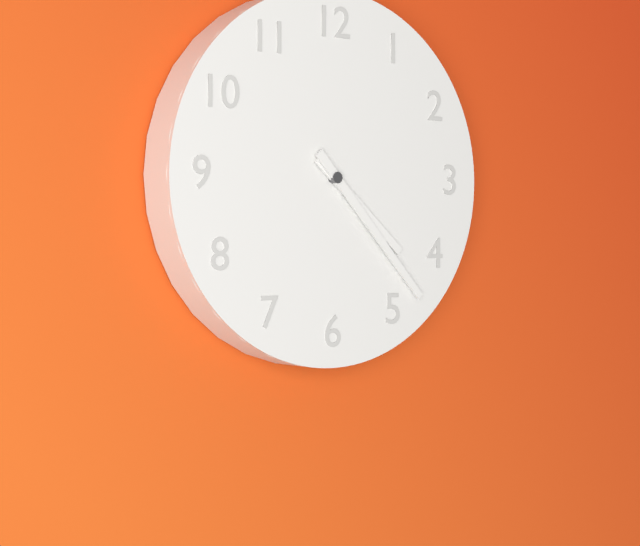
4.23
